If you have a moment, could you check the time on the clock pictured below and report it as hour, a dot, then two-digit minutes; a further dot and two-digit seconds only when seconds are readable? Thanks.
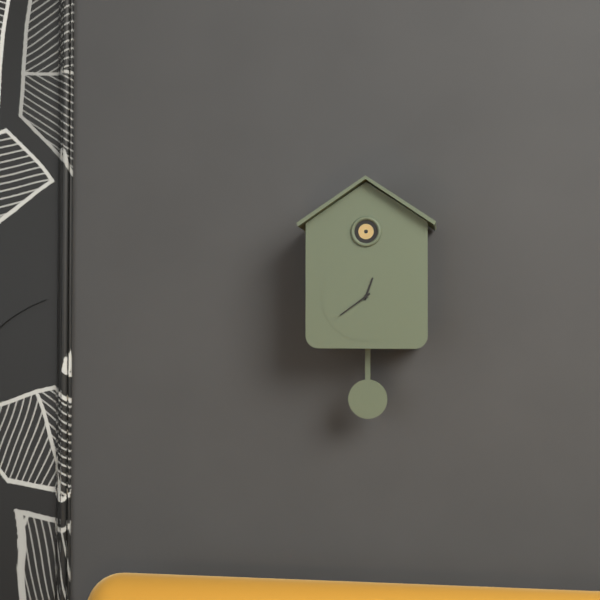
12.39
